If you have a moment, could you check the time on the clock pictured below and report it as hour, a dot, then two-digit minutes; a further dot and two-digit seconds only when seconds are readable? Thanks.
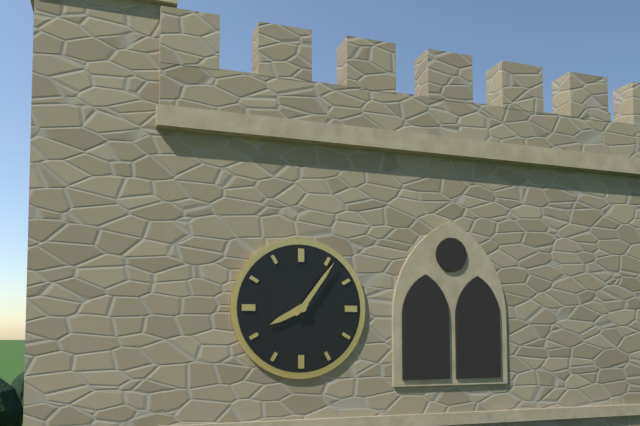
8.06
